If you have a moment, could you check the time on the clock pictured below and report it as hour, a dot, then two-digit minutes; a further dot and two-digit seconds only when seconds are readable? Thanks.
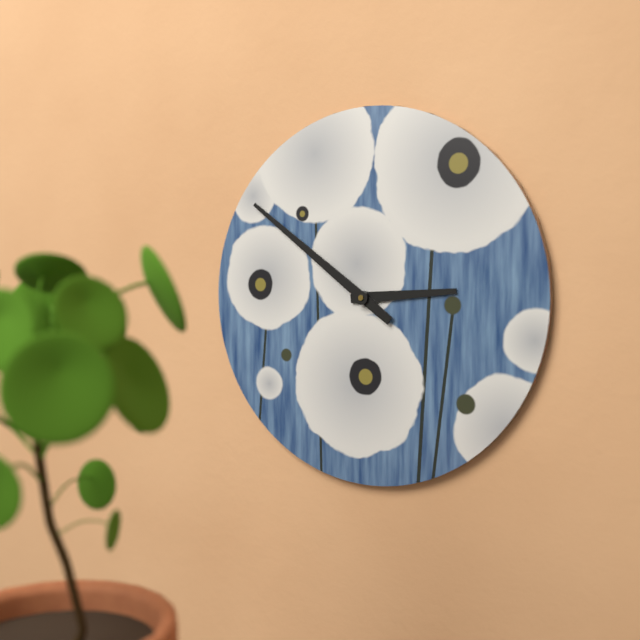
2.51
